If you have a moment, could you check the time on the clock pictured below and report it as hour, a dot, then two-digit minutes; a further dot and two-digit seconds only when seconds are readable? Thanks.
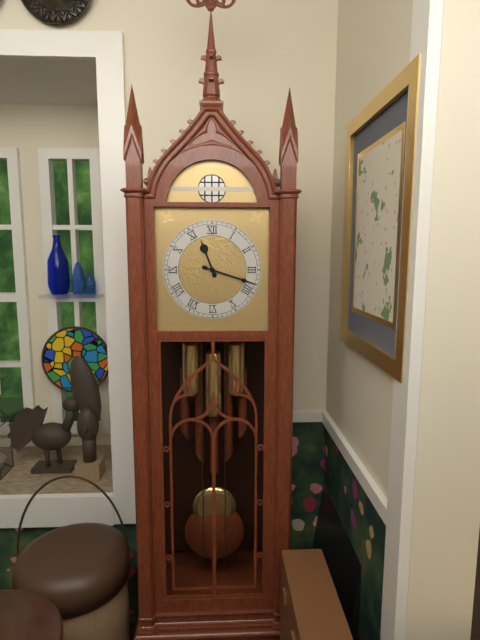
11.18
